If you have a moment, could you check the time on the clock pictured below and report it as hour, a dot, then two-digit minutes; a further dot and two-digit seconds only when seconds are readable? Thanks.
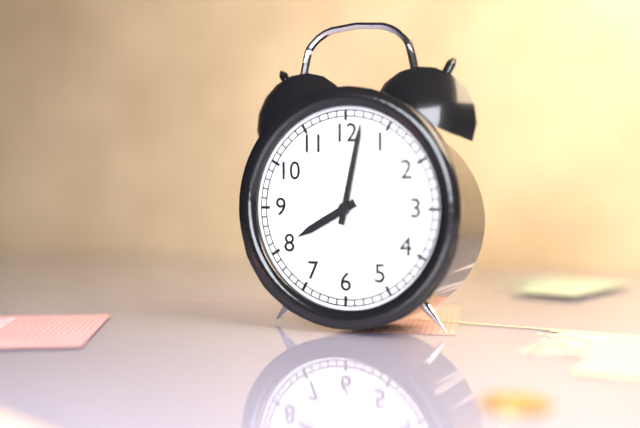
8.02
